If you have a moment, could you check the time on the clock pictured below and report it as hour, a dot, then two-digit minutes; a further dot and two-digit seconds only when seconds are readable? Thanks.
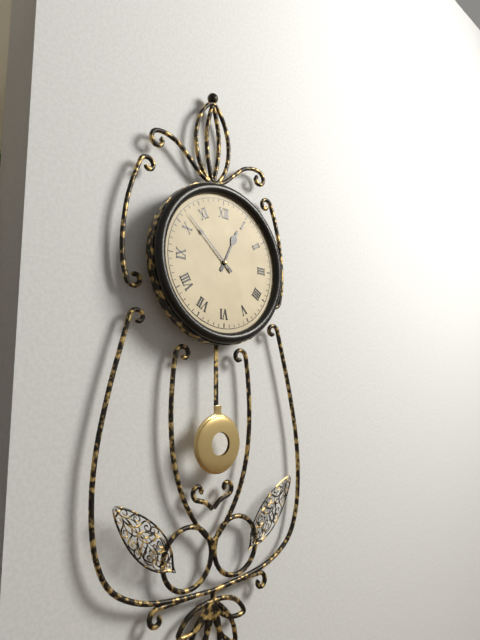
12.52
